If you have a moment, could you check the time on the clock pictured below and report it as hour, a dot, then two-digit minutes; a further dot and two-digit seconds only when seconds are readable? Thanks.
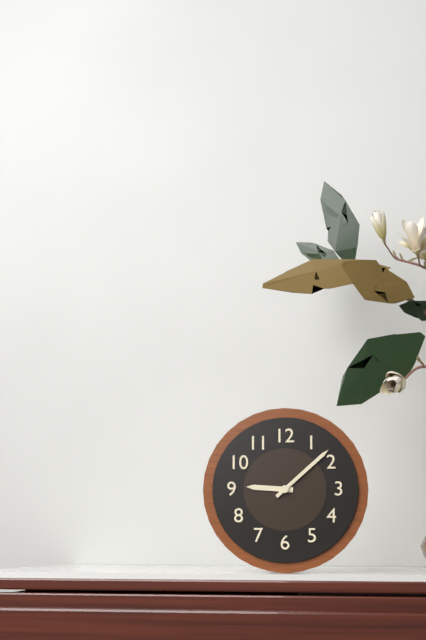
9.08
